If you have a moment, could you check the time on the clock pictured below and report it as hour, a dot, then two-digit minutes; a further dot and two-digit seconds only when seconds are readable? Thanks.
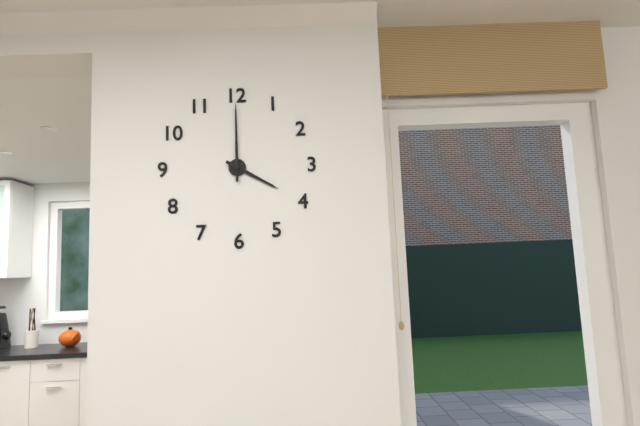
4.00
